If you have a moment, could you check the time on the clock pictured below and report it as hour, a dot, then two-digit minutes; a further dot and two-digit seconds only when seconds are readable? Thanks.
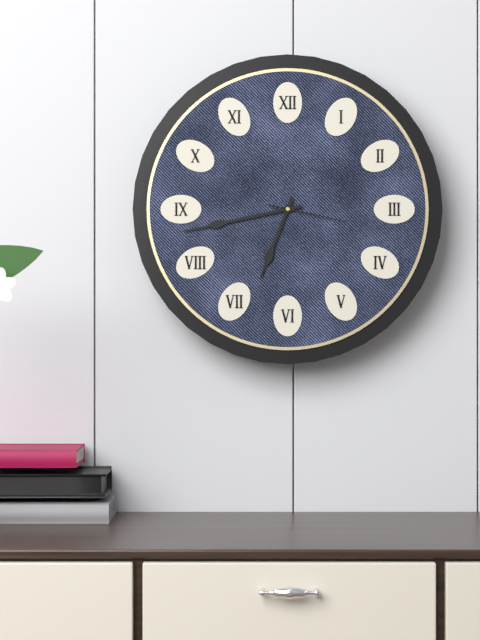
6.43.17
